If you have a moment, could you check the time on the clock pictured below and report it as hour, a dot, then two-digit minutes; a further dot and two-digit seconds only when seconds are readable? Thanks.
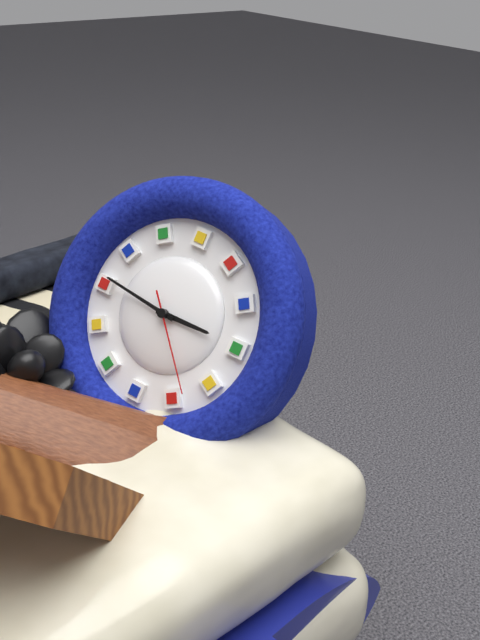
4.56.33
